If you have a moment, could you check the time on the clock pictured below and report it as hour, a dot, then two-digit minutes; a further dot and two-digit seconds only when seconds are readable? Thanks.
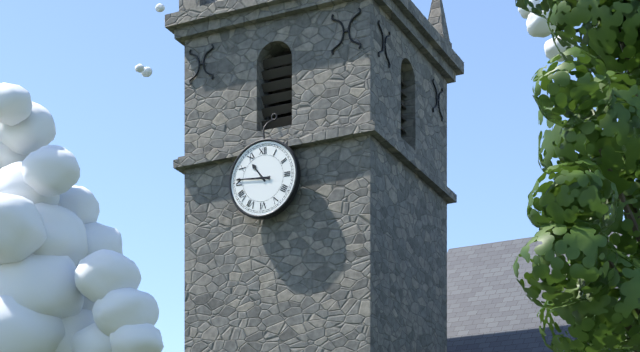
10.46
